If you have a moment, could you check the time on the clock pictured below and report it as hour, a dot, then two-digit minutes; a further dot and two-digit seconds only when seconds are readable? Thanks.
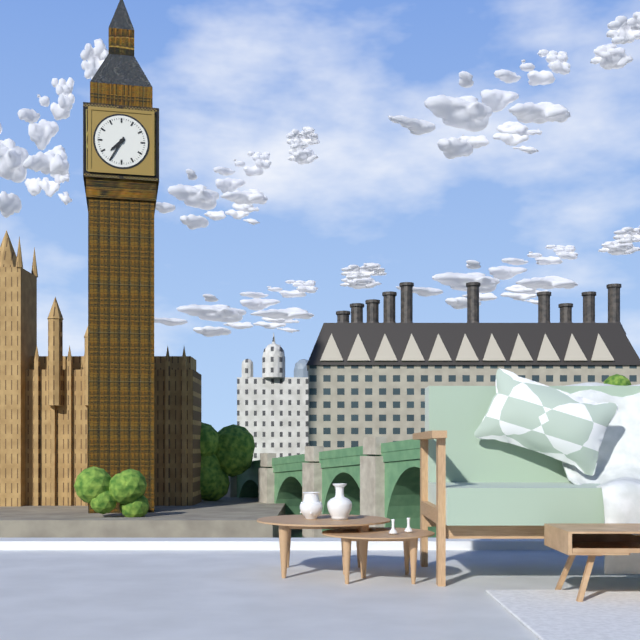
7.35
